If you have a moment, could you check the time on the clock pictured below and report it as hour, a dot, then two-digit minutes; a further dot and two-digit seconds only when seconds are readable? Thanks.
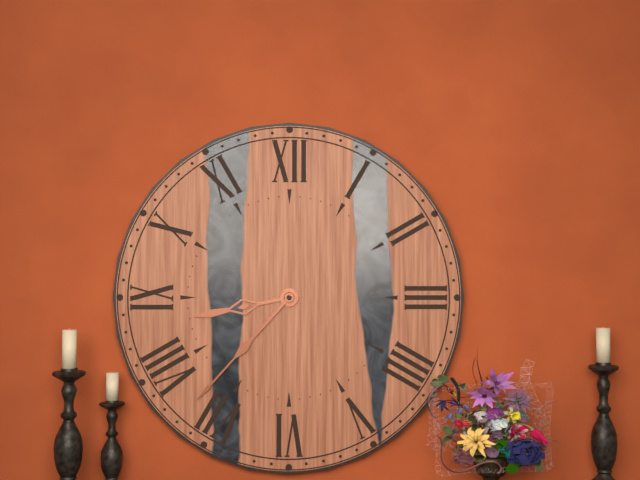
8.37
